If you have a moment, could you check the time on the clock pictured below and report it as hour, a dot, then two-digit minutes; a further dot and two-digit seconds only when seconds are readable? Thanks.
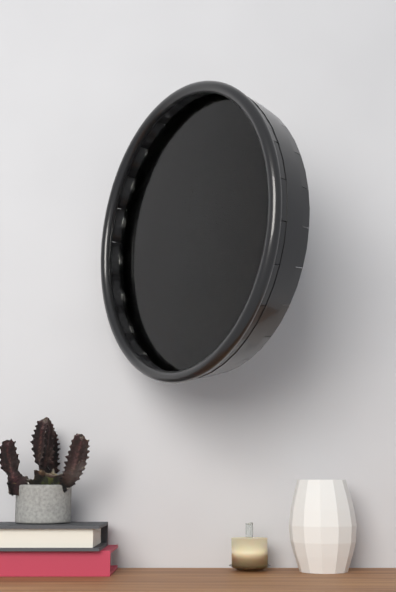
1.46
